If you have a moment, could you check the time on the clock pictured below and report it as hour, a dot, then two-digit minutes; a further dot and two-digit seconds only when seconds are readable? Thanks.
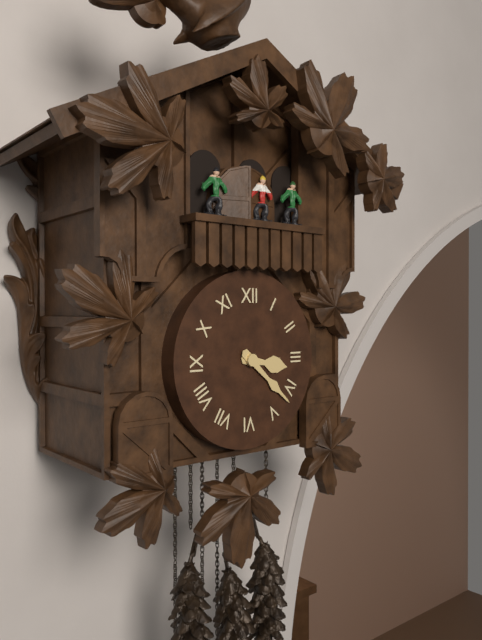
3.22
